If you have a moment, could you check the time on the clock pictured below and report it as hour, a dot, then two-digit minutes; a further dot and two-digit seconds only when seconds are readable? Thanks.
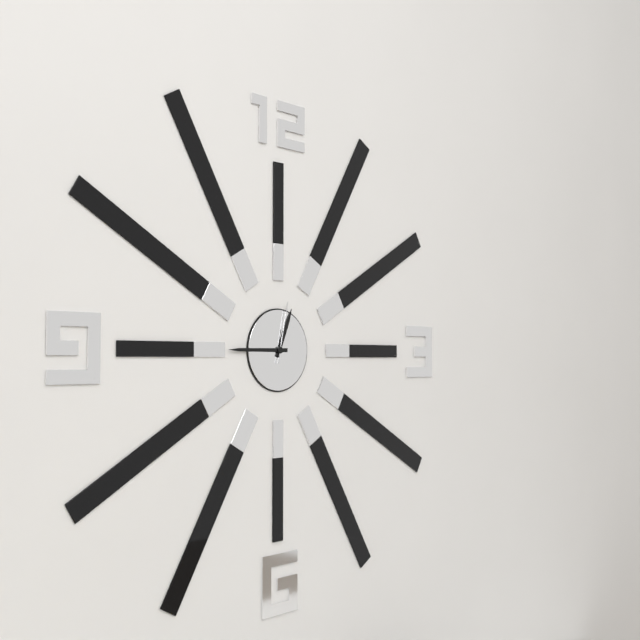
12.45.02
